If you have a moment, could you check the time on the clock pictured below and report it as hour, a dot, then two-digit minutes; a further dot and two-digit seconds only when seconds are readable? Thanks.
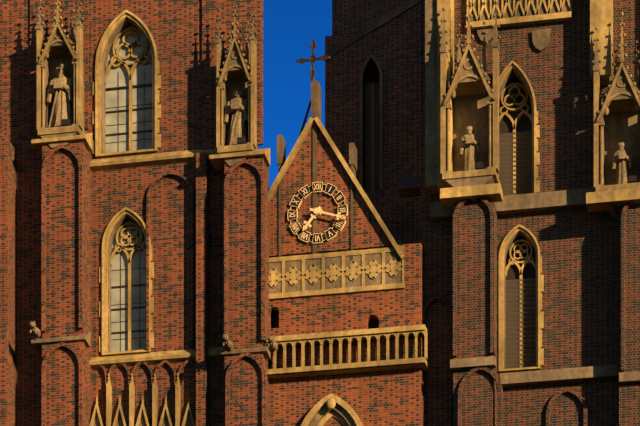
7.18
